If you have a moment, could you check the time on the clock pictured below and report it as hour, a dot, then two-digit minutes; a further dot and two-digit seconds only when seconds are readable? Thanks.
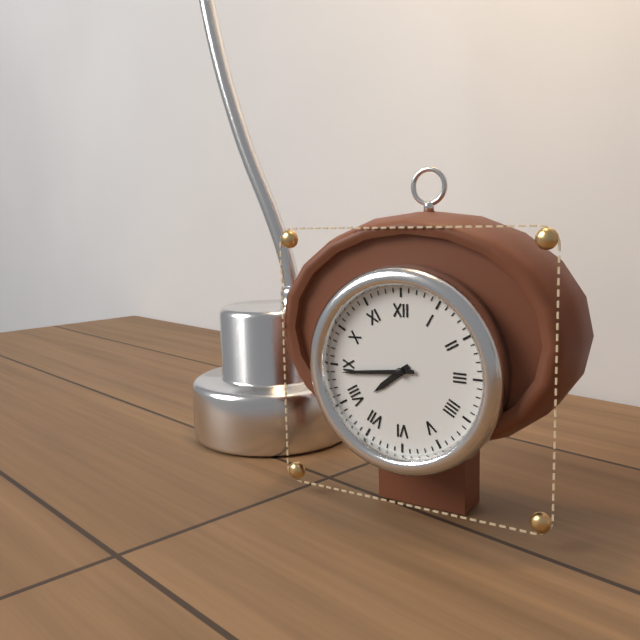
7.44
